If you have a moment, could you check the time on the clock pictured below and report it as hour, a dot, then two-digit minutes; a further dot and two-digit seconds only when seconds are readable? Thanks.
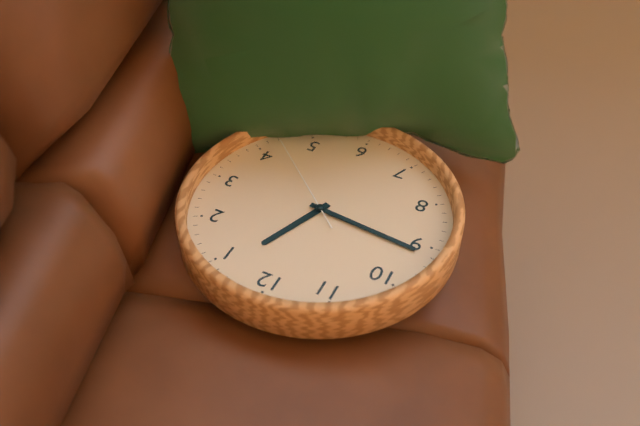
12.46.22
